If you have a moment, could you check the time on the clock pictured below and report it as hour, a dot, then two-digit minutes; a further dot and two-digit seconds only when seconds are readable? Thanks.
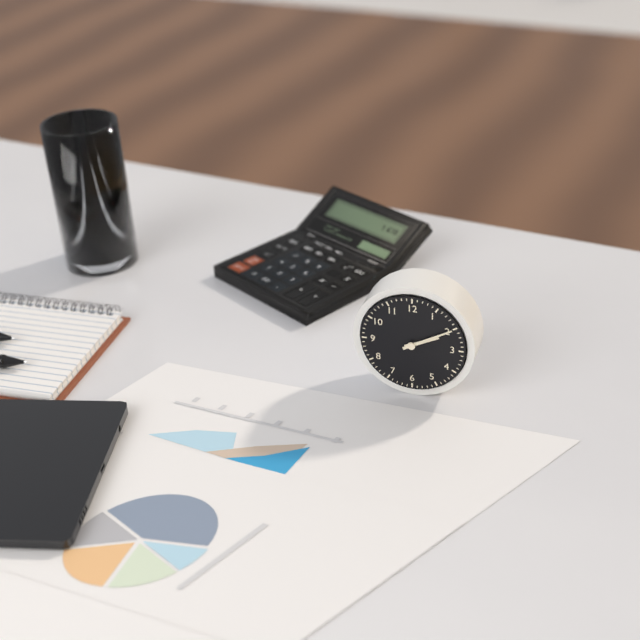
2.10
